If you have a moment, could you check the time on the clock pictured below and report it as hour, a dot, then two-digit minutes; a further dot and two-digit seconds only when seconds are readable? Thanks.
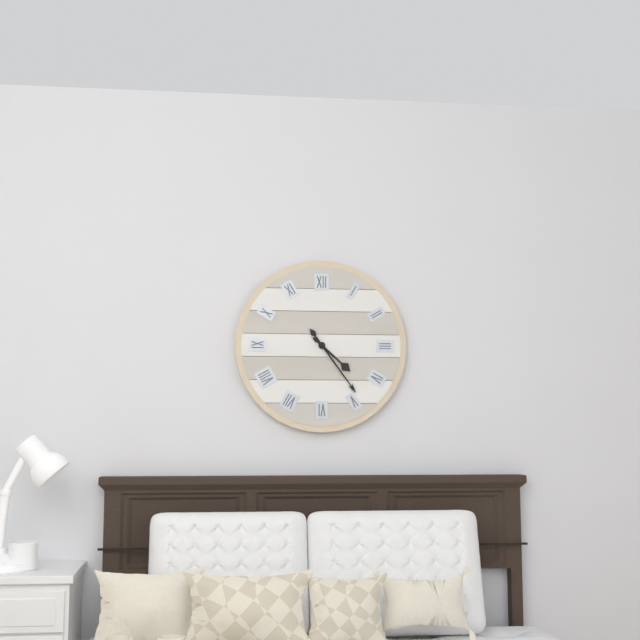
4.24
